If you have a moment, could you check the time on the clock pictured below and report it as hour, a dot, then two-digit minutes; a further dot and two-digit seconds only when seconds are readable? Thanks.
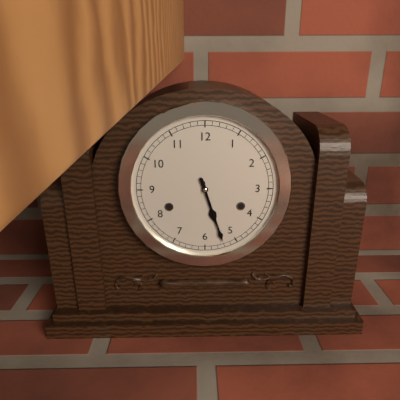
5.27
